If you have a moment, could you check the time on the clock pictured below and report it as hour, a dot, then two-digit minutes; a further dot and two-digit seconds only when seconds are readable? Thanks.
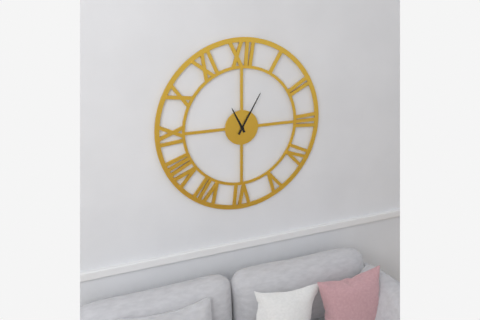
11.05
